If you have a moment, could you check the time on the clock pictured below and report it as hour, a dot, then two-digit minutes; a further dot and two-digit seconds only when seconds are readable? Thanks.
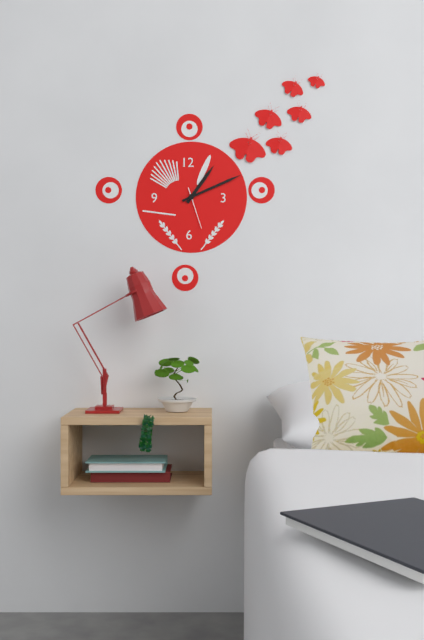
1.11
